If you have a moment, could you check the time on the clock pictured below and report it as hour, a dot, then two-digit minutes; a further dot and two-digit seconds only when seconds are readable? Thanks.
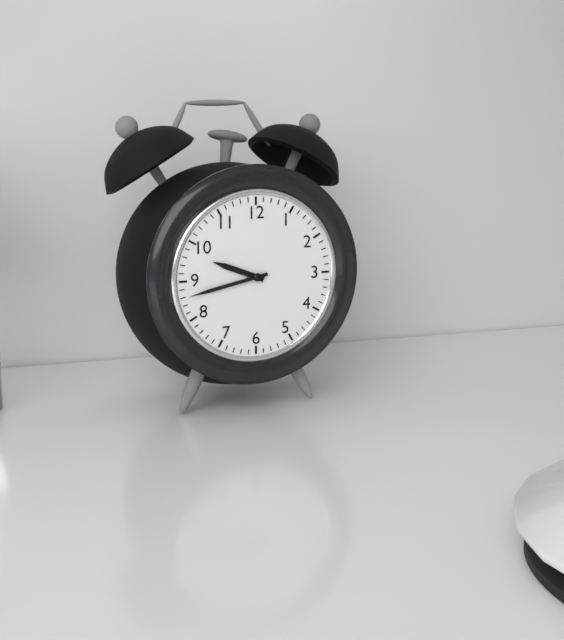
9.43
